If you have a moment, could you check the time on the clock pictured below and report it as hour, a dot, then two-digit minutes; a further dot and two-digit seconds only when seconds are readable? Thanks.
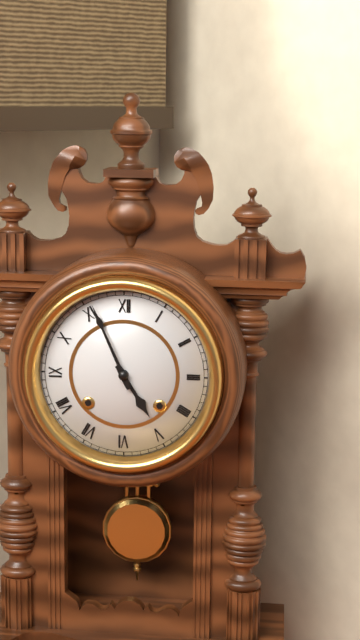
4.56
